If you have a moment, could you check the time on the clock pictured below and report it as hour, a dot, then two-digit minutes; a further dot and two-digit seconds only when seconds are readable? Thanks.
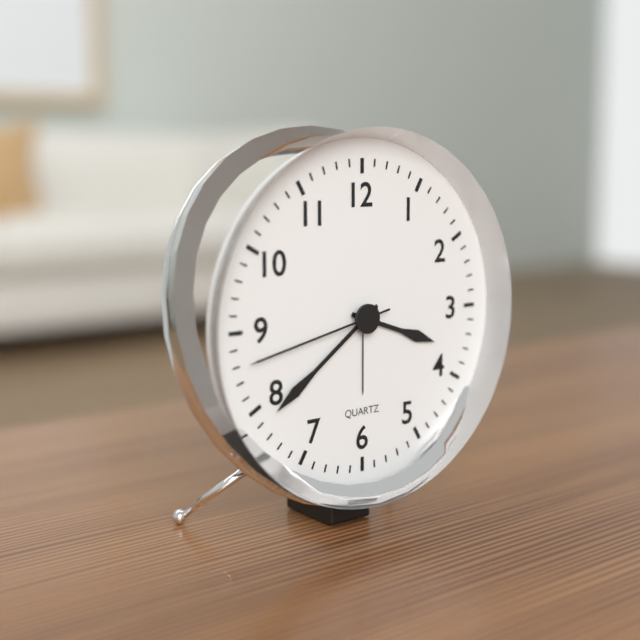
3.39.43
